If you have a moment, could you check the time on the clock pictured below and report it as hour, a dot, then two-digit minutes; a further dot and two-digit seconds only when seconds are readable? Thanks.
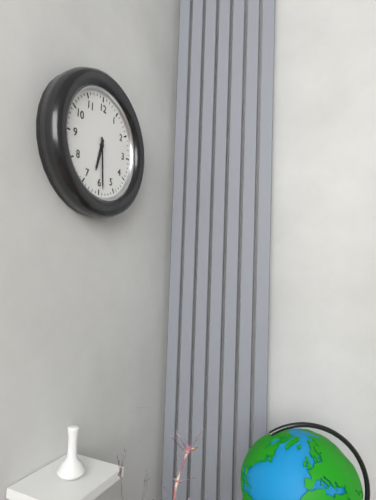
6.29
